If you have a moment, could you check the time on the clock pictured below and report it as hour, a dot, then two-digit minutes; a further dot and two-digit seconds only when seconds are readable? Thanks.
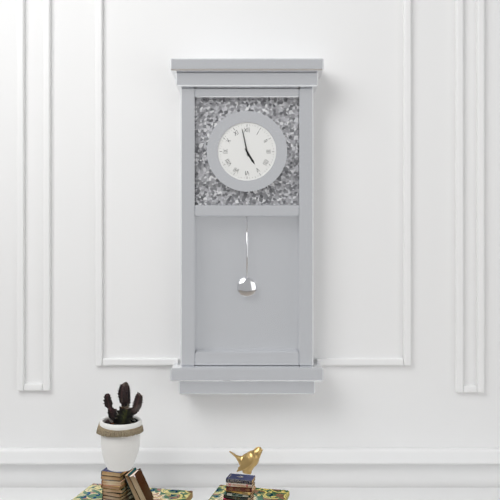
4.58
